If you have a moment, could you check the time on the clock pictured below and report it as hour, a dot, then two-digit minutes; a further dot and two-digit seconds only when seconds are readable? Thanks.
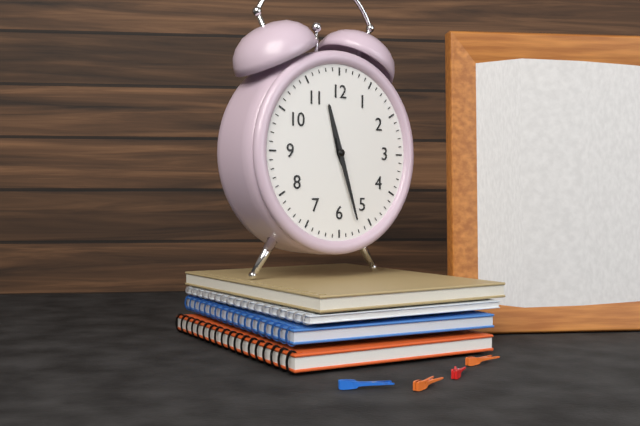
11.27
